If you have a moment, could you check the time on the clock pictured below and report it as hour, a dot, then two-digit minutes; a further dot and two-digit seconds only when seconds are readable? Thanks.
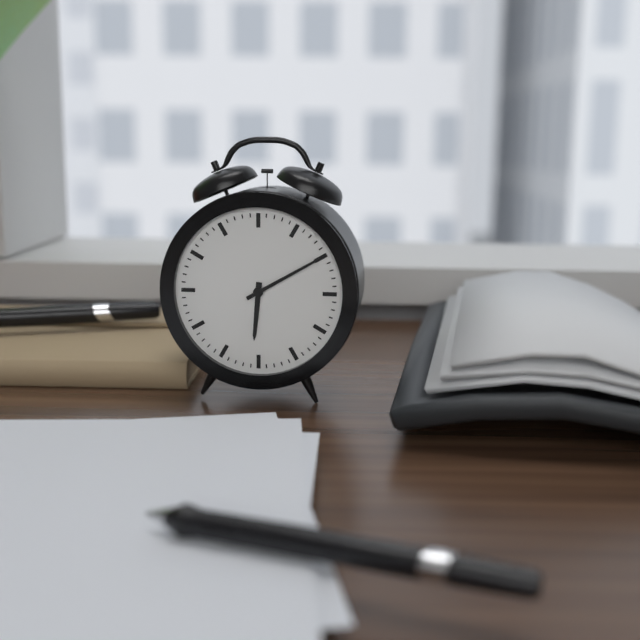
6.10
